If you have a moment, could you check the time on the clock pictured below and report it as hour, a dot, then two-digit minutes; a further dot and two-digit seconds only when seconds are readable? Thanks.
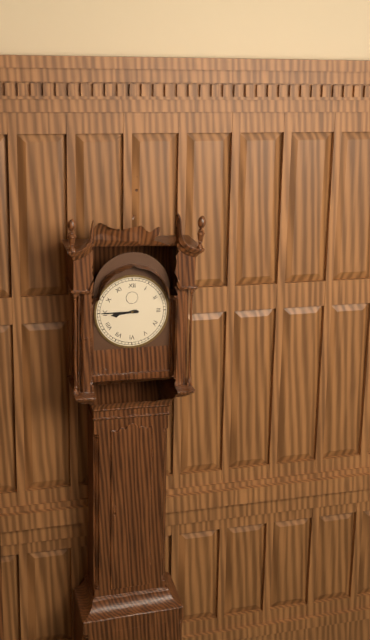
8.45
